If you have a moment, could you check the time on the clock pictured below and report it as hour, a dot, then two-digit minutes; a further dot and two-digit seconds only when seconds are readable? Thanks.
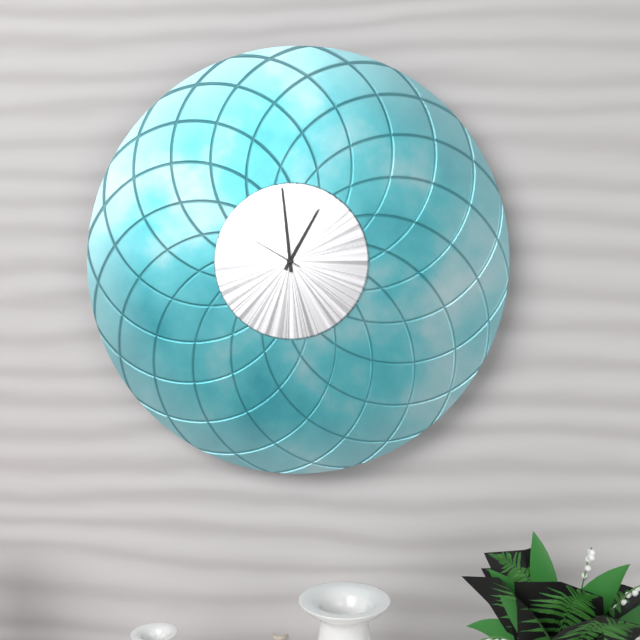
12.59
